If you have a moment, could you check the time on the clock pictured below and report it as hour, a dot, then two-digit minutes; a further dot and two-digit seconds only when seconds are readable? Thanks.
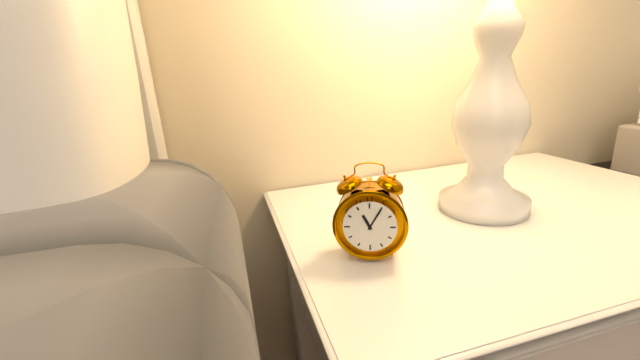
11.05
